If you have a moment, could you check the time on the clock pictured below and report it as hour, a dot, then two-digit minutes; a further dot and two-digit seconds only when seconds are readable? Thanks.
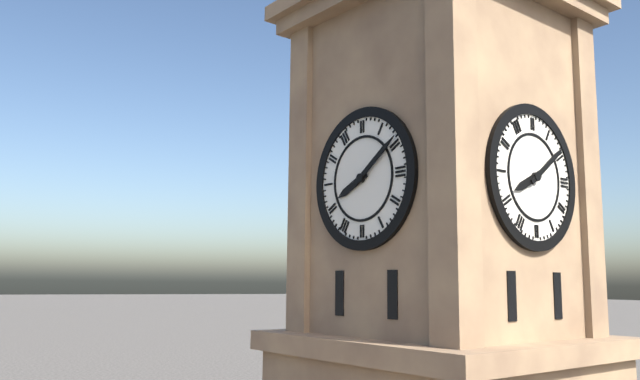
8.09
